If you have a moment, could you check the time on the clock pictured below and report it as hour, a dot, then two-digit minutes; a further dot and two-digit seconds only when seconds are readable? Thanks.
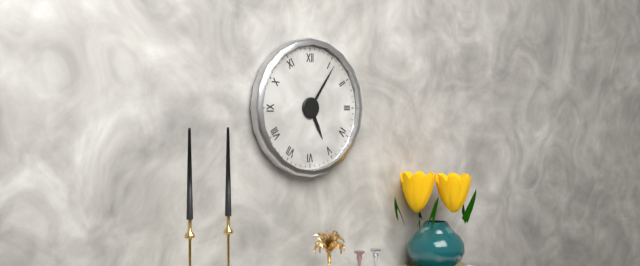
5.06
